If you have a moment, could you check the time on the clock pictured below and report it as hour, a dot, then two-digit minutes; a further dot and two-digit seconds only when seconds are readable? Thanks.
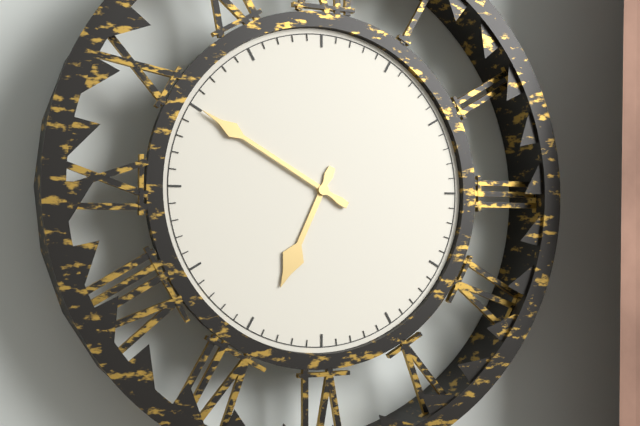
6.50
